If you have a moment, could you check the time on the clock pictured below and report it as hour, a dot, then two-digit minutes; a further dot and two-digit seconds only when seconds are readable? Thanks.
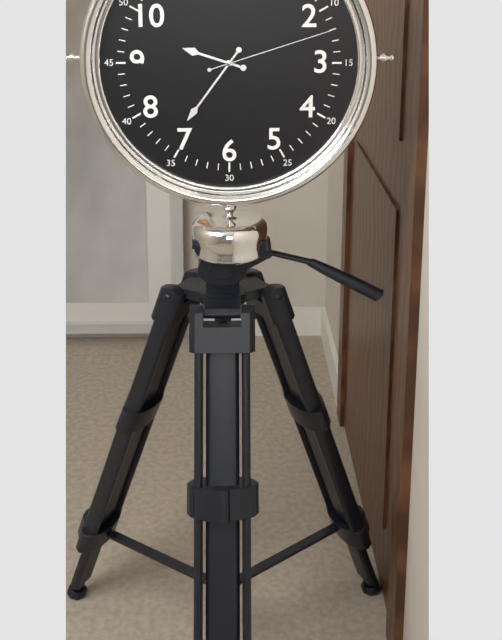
9.36.12
